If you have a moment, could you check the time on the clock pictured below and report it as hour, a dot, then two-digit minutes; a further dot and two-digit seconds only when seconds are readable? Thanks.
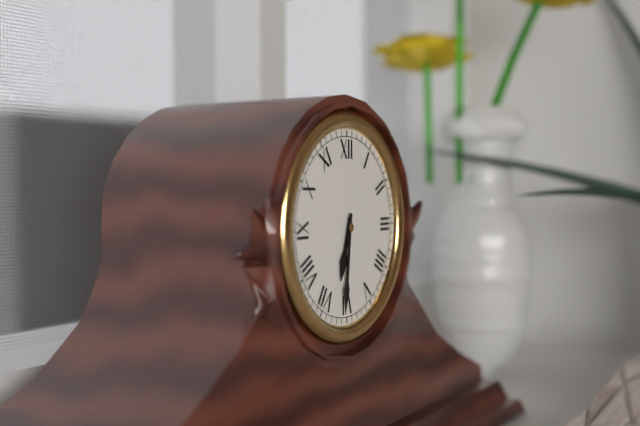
6.31
